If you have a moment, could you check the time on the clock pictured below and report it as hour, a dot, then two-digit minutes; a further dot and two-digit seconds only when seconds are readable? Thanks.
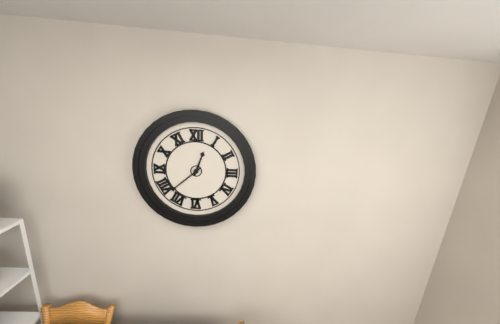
12.38
